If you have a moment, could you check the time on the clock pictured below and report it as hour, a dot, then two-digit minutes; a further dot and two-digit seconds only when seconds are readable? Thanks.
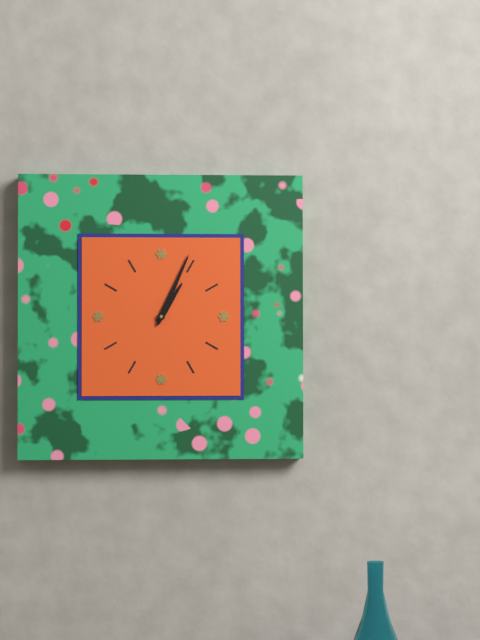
1.04
